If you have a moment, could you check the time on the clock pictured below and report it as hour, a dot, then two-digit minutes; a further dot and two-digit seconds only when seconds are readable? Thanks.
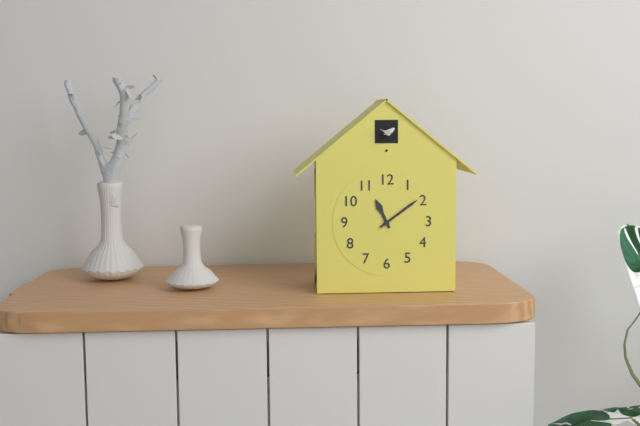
11.09
